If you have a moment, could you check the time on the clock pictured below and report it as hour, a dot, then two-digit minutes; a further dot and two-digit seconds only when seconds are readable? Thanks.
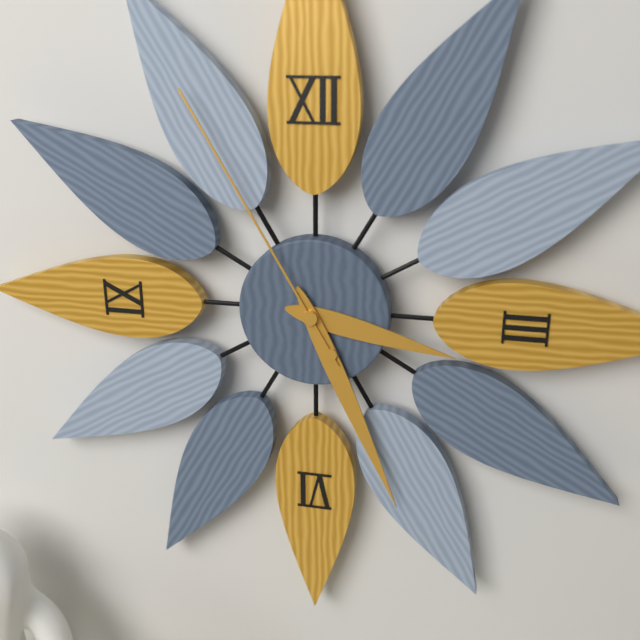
3.26.55
